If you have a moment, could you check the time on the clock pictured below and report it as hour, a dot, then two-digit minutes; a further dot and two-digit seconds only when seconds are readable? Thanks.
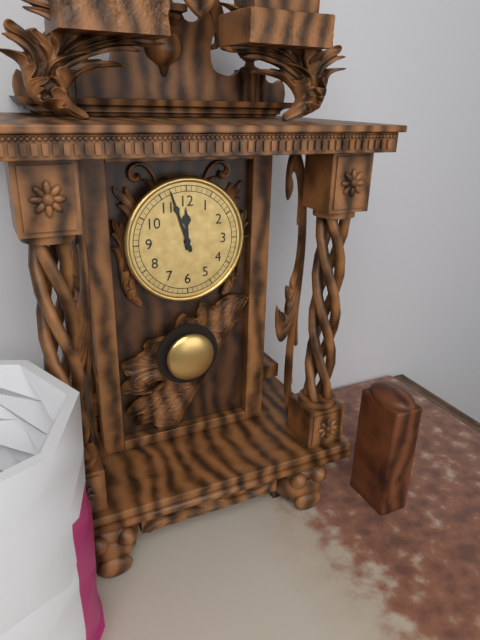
11.57
